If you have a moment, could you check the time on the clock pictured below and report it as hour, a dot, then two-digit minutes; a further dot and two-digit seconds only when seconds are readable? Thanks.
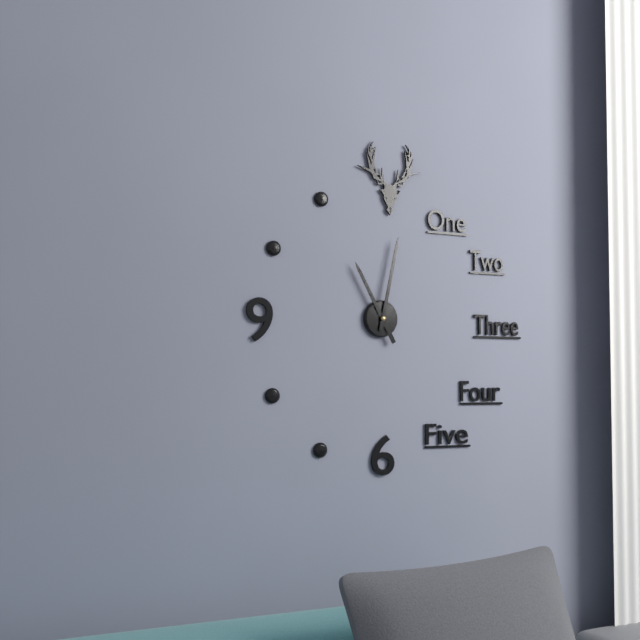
11.02
